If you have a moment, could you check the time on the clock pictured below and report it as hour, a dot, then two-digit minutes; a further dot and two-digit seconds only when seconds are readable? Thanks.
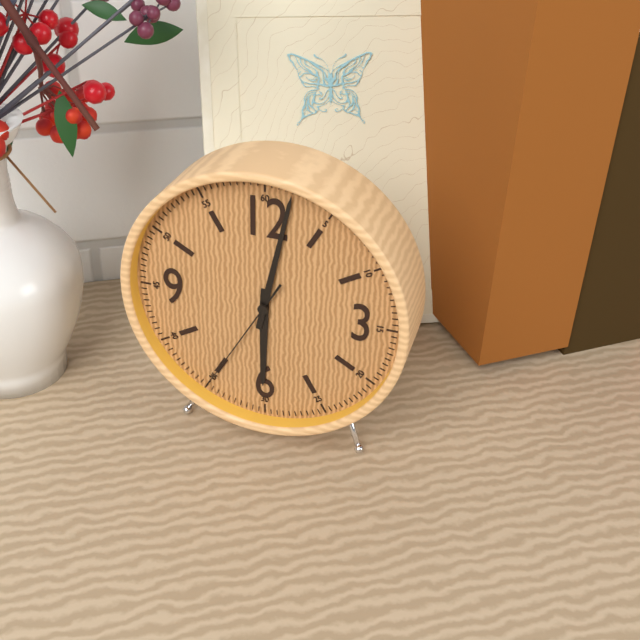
6.02.35
